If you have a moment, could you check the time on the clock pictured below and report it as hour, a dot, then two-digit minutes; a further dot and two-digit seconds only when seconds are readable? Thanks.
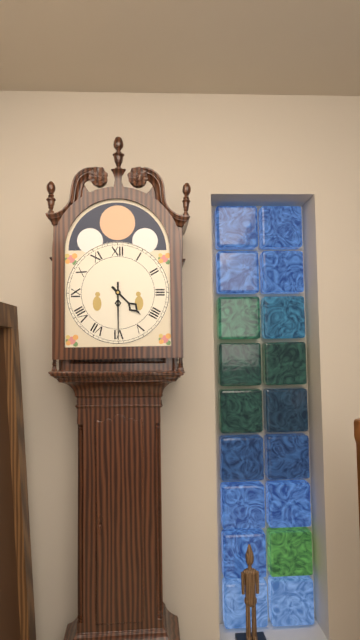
4.30
